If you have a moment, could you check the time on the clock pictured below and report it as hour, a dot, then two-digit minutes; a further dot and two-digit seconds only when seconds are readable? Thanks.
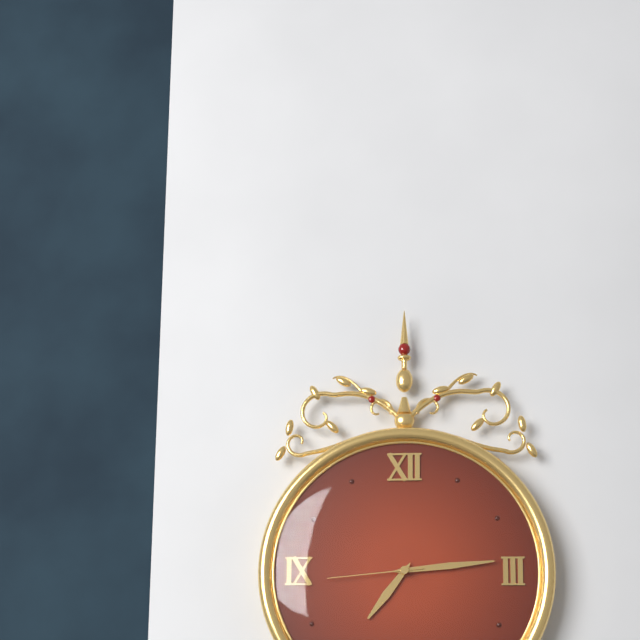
7.14.44
